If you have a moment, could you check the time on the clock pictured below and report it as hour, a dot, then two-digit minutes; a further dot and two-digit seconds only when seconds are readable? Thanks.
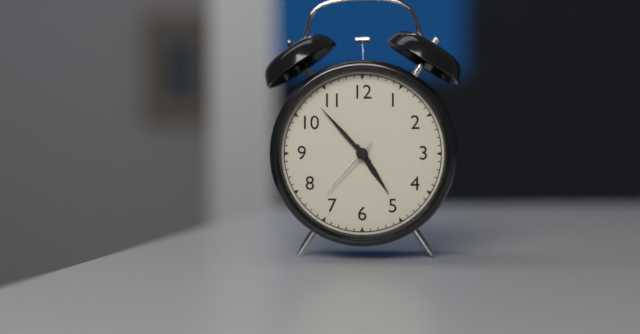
4.53.37
